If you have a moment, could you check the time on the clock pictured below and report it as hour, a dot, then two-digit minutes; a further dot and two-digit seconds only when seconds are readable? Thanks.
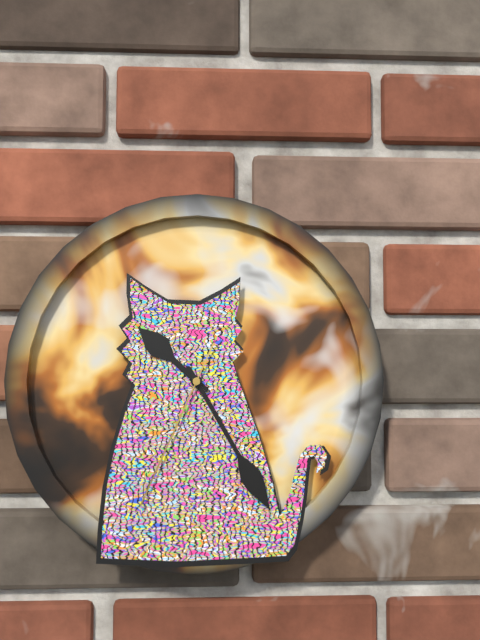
10.25.34
